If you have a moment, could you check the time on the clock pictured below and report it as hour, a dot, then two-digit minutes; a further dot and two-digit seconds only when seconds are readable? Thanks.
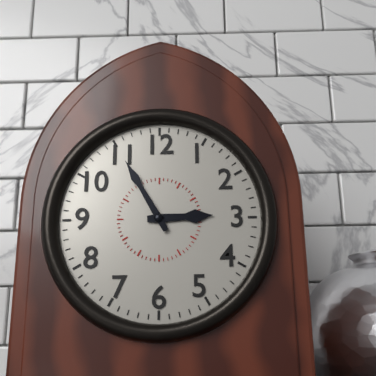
2.55
